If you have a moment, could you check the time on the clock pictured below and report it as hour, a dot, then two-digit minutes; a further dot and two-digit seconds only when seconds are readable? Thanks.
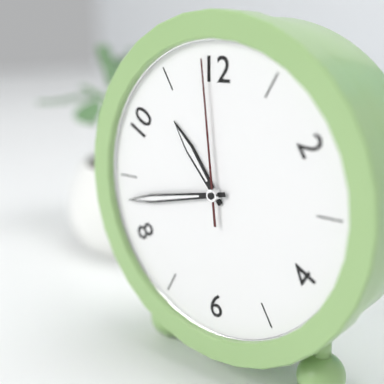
10.43.59
